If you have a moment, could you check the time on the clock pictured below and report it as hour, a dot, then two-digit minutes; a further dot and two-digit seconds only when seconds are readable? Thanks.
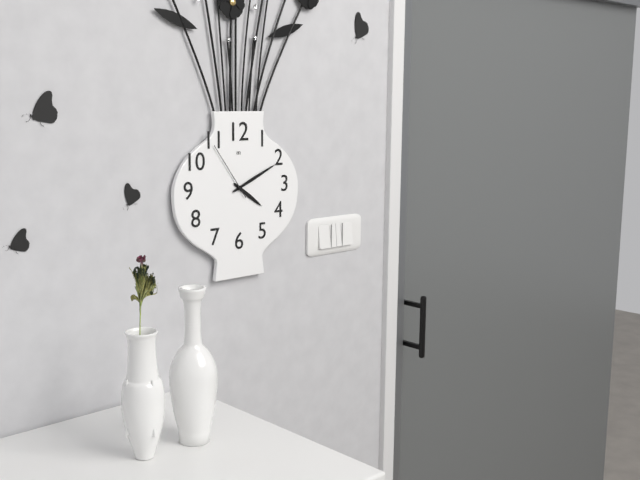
4.11.54
